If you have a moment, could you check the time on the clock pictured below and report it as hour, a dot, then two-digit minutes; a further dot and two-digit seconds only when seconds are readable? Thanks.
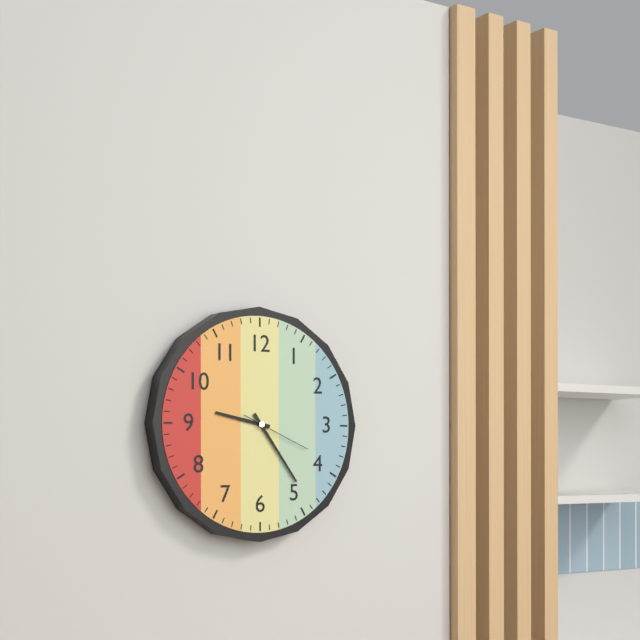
9.24.19
